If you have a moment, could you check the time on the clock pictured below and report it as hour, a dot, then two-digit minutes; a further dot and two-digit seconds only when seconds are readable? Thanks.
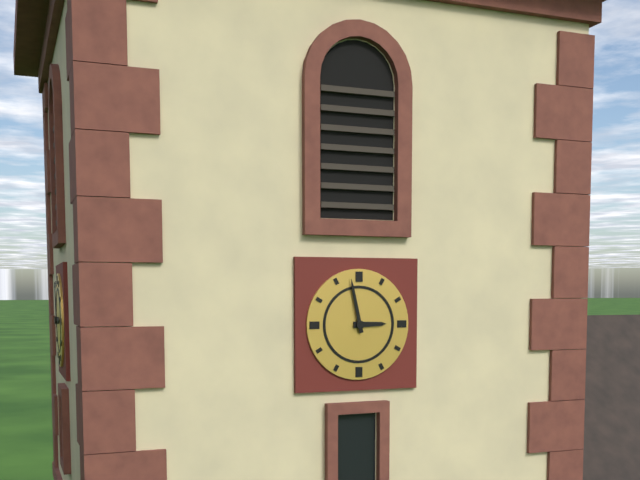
2.58
